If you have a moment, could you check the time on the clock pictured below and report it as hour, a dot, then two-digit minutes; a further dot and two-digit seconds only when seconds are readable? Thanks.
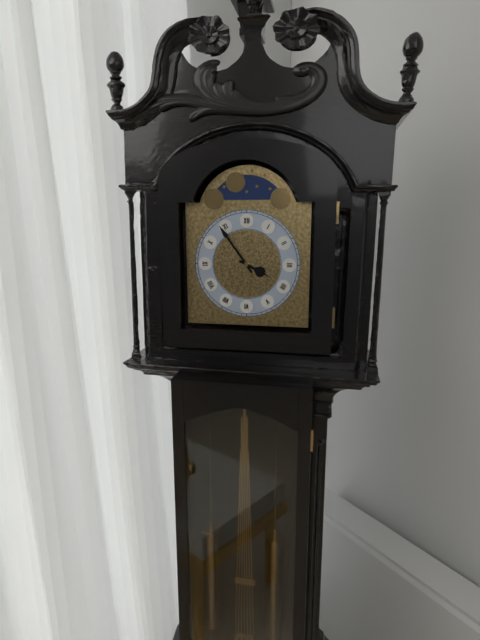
3.54
